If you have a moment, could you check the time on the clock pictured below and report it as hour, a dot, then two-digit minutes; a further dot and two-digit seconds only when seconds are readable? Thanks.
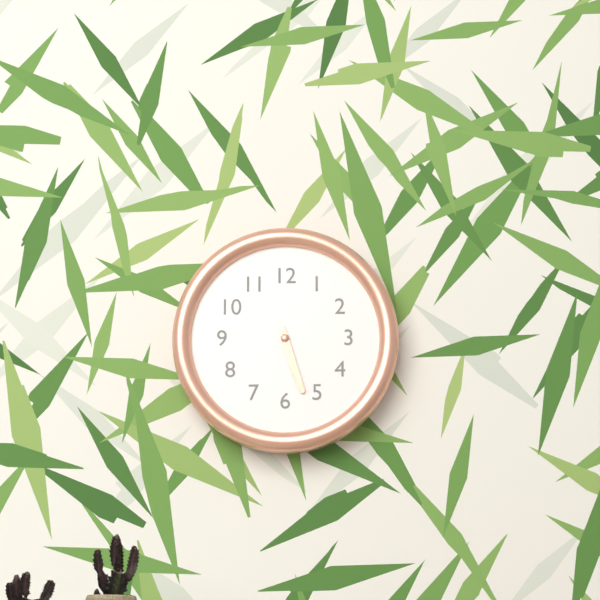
5.27
